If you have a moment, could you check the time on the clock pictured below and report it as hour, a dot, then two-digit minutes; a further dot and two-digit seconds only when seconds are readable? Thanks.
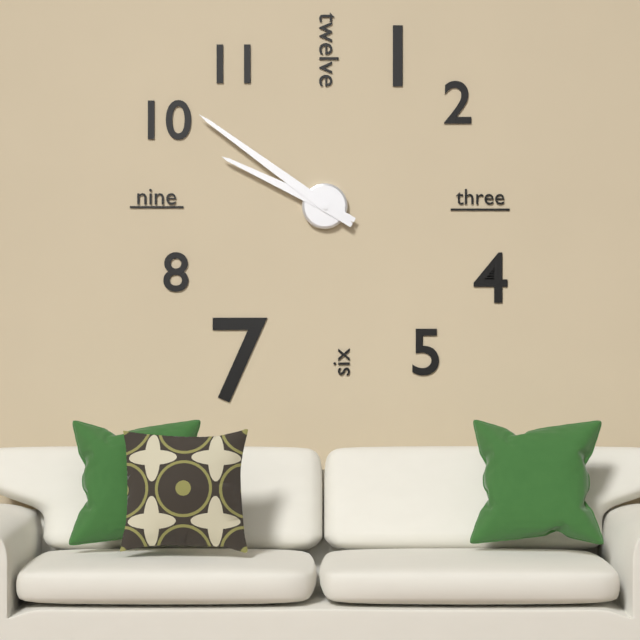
9.51
